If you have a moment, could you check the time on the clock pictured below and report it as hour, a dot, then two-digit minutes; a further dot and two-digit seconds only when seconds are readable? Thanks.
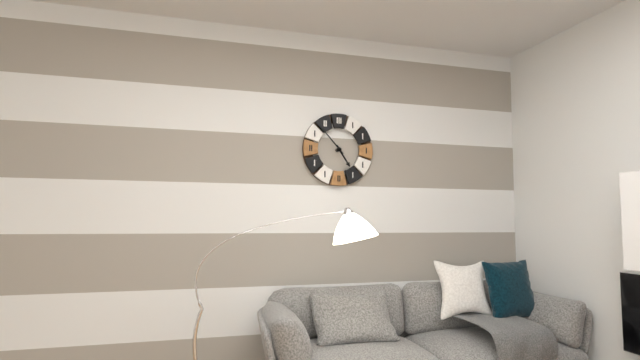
4.53
